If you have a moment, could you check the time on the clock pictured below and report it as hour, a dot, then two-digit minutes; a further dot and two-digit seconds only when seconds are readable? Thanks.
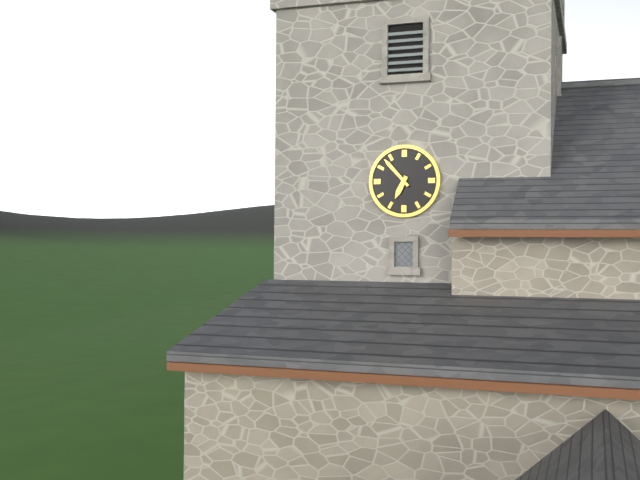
6.53
